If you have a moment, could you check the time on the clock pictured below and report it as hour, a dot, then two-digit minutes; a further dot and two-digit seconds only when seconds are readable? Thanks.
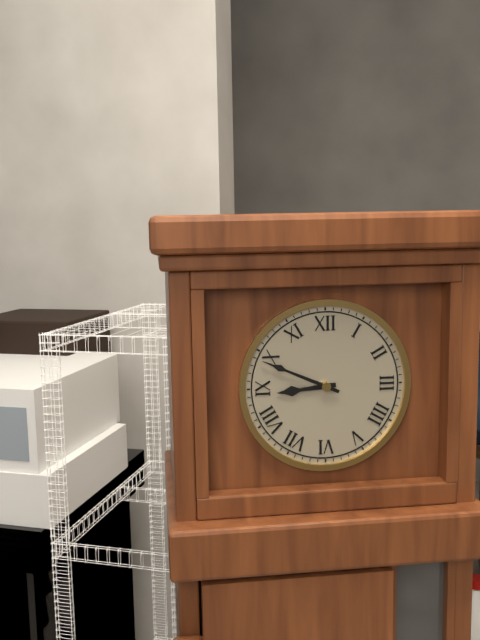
8.49
